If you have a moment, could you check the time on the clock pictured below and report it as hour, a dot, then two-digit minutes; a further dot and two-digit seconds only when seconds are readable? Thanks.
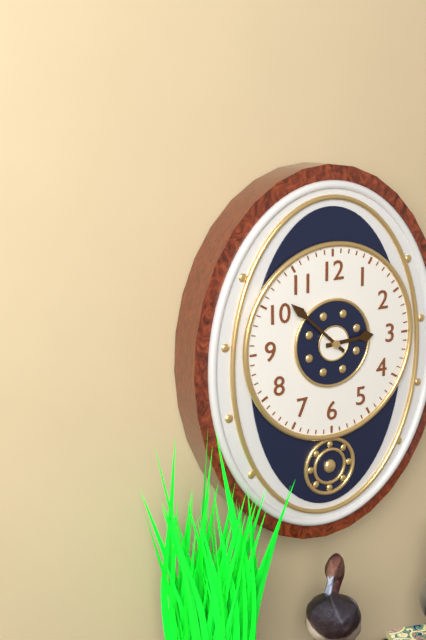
2.52
